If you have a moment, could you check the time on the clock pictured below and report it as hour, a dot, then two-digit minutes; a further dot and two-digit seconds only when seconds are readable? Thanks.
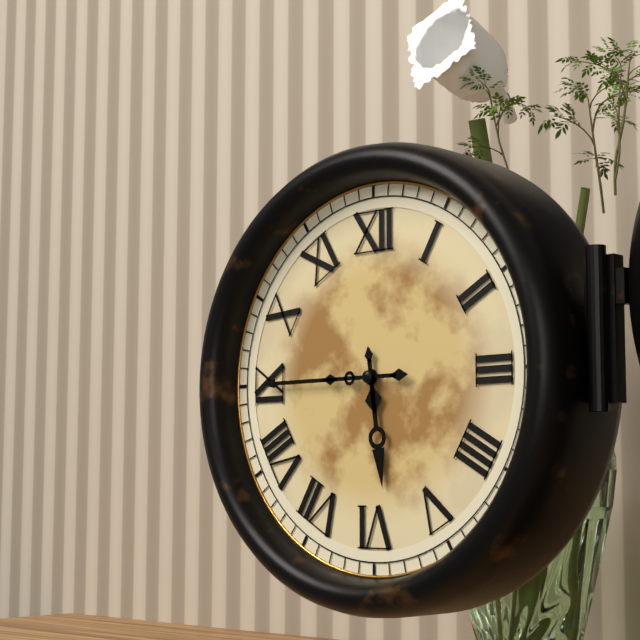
5.45
